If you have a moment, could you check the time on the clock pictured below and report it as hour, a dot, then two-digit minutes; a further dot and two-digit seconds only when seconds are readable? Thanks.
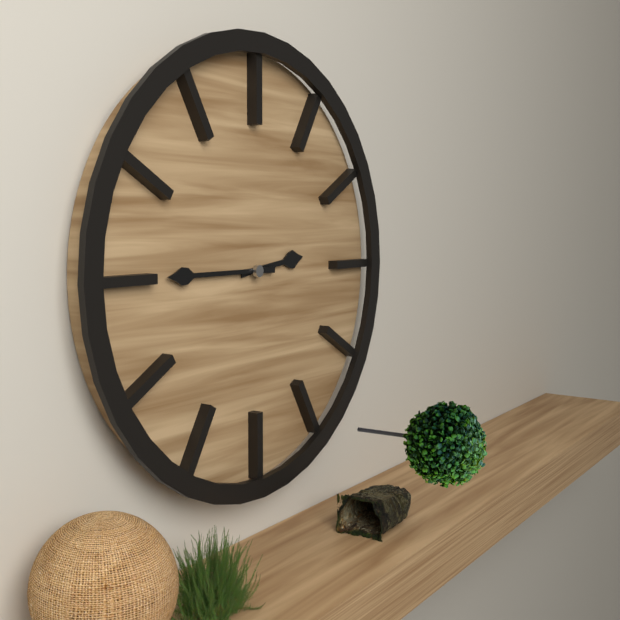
2.45
